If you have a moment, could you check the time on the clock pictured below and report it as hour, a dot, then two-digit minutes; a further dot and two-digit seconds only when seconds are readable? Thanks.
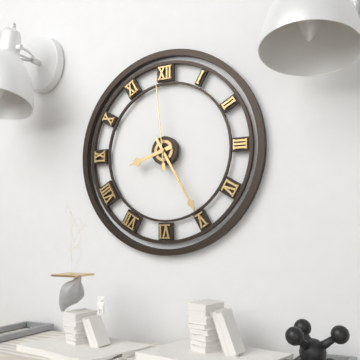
8.25.59
